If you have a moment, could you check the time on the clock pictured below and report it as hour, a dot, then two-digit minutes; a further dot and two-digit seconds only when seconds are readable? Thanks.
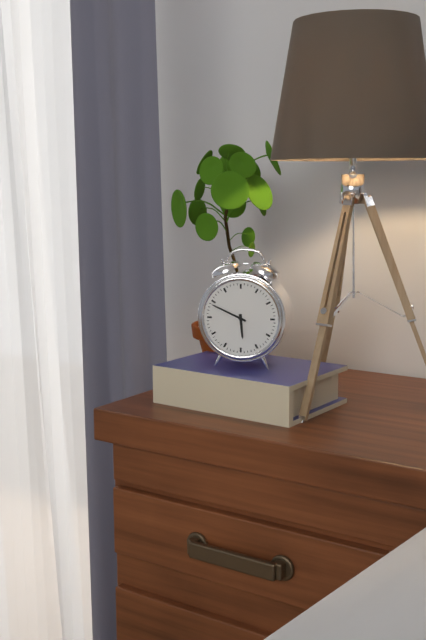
5.49
